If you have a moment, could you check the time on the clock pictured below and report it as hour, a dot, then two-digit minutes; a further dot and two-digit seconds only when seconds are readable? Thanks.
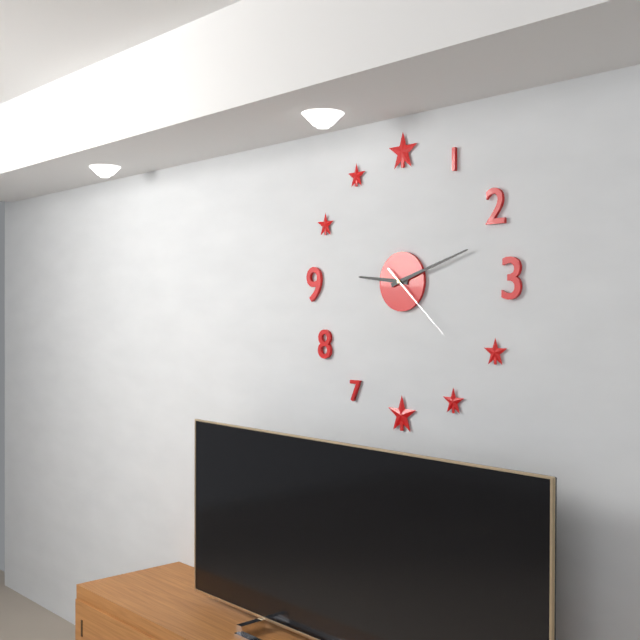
9.12.22
